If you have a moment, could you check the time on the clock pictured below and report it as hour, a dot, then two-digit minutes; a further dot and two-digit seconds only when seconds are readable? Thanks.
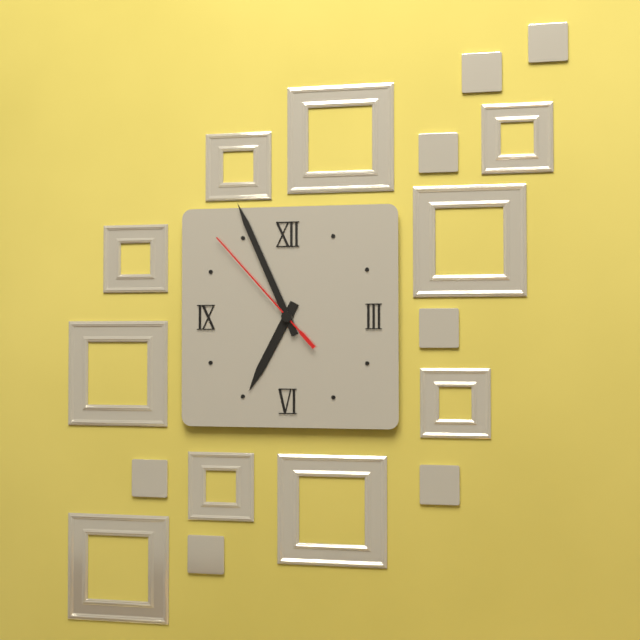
6.56.53
